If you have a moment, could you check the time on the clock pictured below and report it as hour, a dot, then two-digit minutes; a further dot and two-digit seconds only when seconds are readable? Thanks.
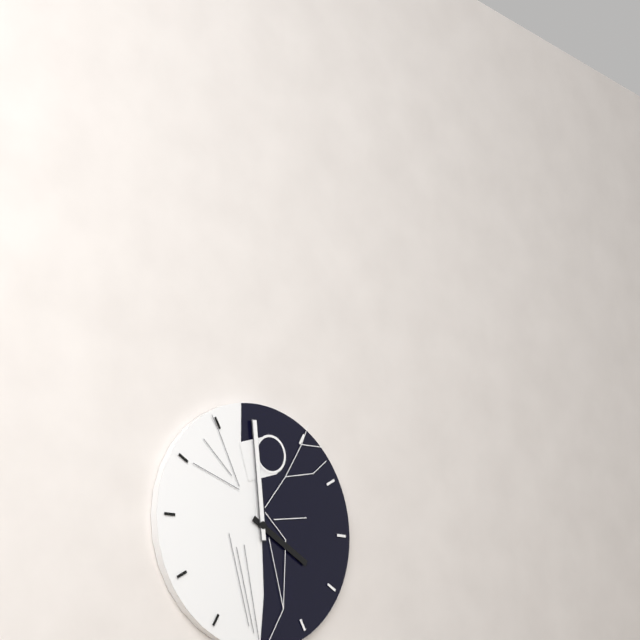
3.59
